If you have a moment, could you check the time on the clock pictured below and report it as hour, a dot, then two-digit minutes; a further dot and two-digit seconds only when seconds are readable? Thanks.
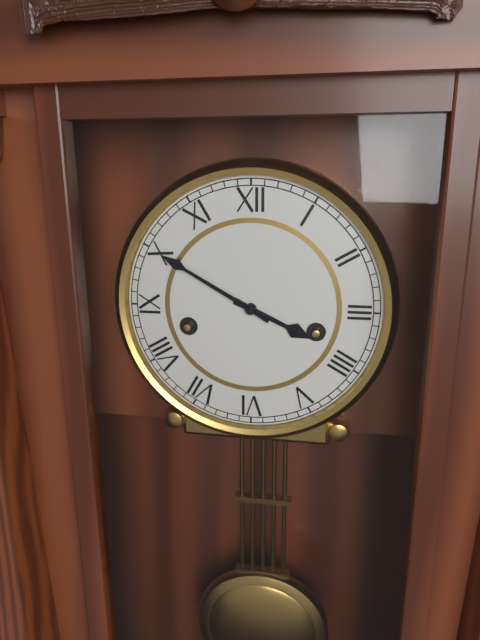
3.50
